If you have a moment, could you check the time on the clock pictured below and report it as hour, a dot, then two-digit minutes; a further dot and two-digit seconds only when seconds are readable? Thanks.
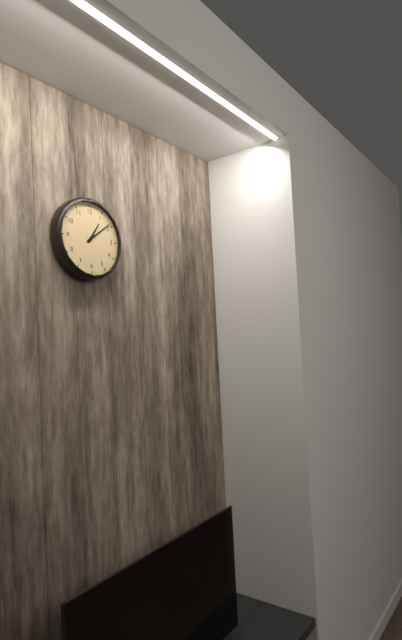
1.09
